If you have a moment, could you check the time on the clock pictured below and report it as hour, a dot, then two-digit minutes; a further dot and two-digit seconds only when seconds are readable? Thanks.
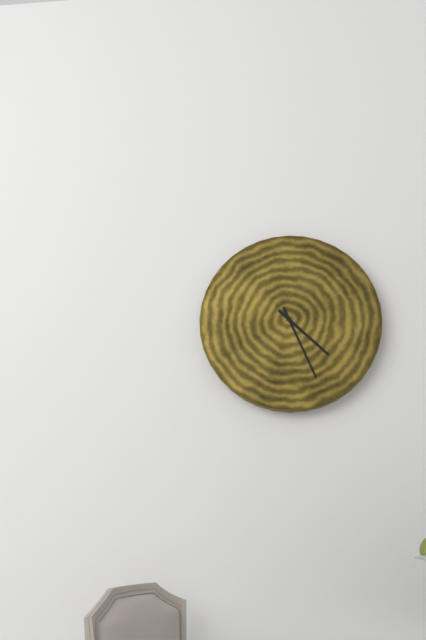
4.26
